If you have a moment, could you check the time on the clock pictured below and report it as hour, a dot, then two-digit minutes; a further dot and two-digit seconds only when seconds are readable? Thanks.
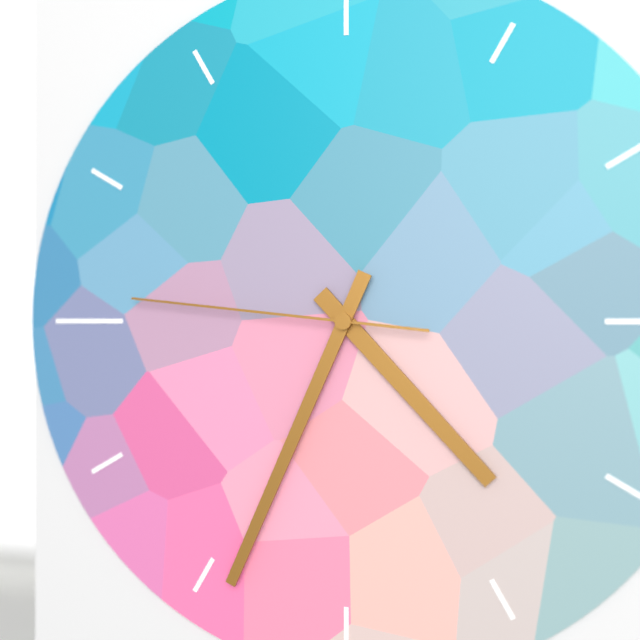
4.34.46
